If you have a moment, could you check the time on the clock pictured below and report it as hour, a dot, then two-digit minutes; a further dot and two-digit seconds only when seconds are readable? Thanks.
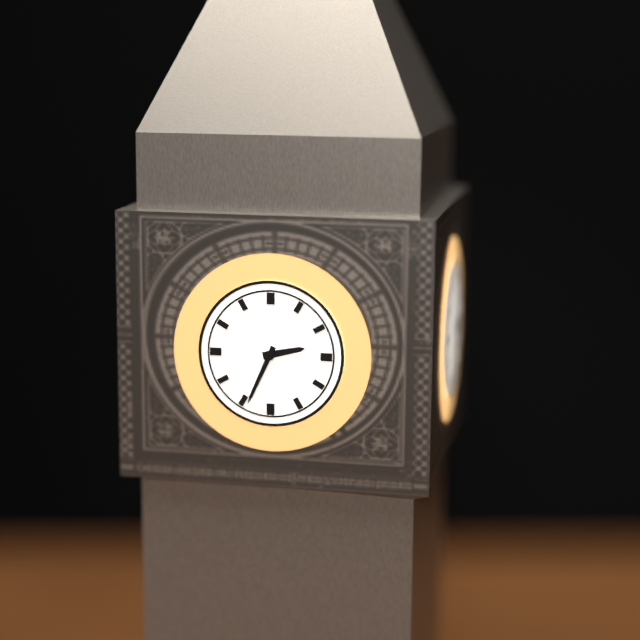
2.34
